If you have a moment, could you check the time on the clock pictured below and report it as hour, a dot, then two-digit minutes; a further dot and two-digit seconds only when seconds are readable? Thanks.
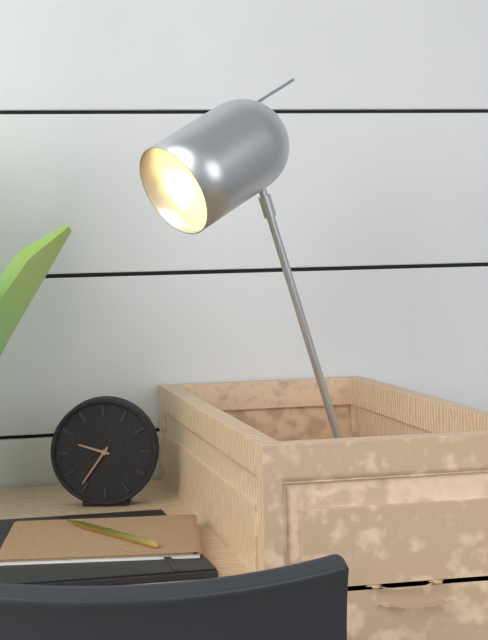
9.36
